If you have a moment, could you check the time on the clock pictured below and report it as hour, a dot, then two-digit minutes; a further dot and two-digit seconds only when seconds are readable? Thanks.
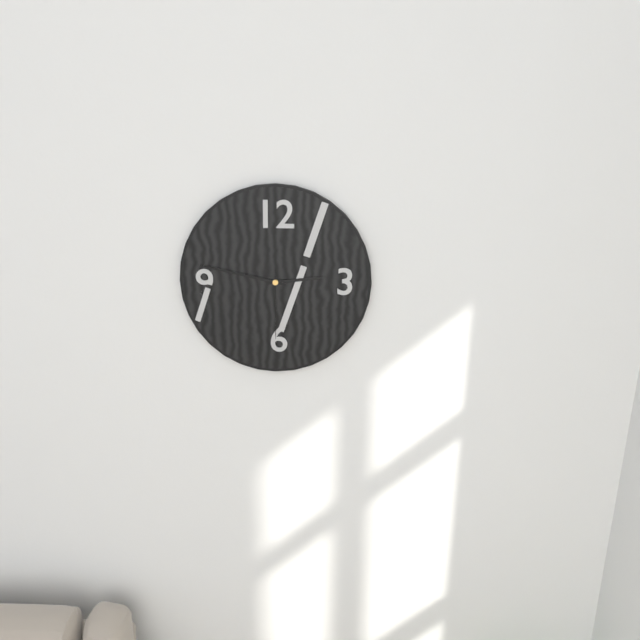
2.47.30
